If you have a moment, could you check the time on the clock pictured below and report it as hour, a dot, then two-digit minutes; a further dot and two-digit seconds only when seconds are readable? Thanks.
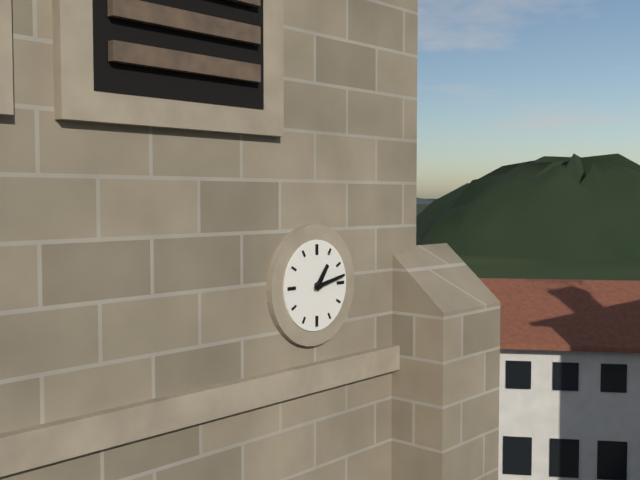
1.13
